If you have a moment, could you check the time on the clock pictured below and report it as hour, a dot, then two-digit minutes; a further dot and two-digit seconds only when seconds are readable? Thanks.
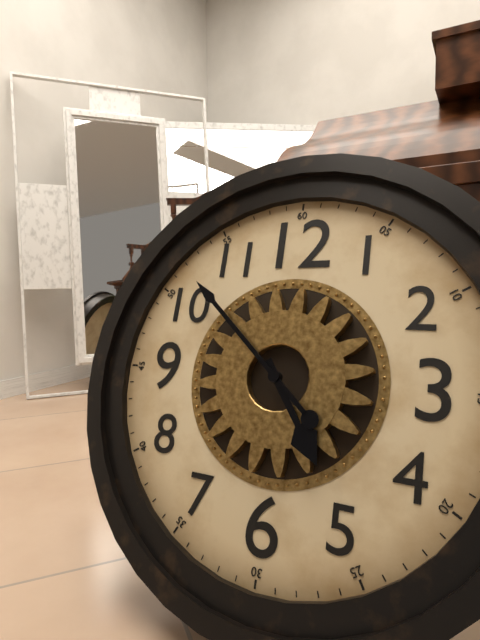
4.52
